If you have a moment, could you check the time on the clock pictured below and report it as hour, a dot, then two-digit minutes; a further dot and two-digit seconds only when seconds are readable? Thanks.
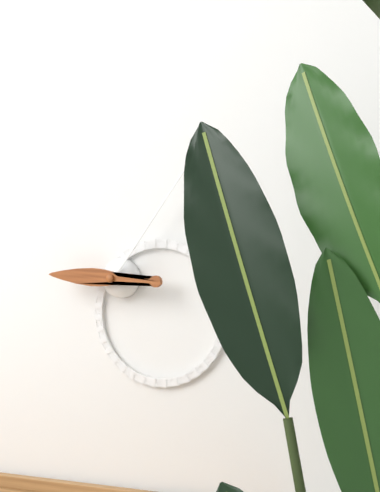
9.06
